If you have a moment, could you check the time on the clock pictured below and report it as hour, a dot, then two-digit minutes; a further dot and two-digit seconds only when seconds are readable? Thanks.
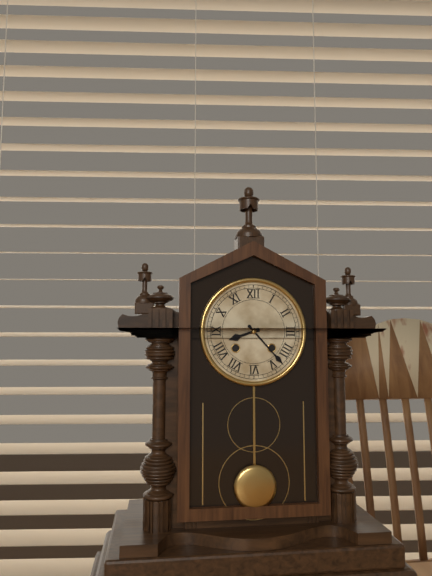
8.23
